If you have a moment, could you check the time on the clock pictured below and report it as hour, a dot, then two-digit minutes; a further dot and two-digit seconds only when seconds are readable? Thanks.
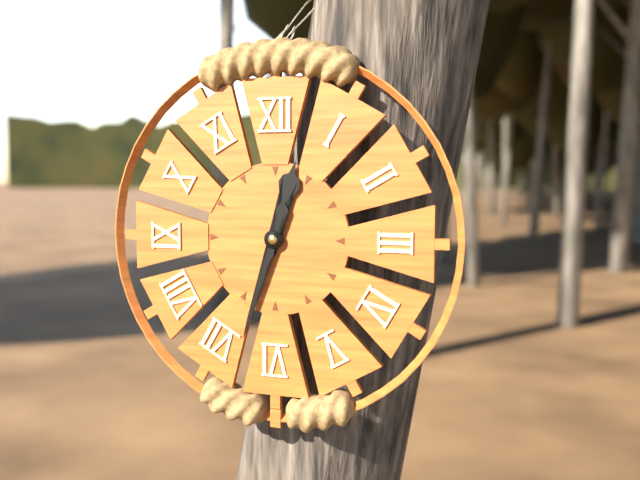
12.33
